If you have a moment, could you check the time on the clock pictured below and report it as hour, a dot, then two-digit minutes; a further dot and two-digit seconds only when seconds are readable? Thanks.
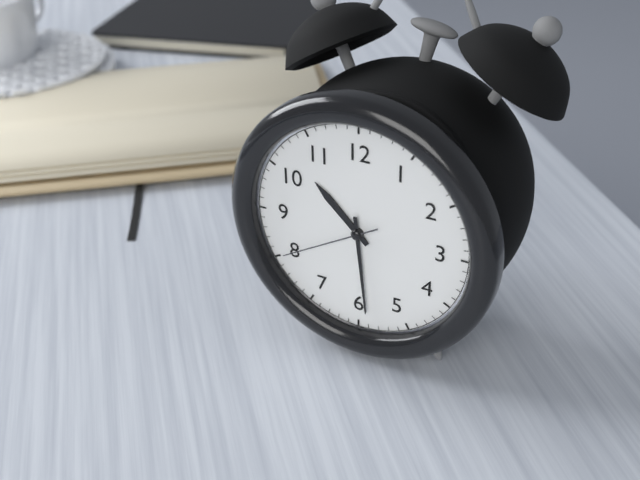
10.29.40
